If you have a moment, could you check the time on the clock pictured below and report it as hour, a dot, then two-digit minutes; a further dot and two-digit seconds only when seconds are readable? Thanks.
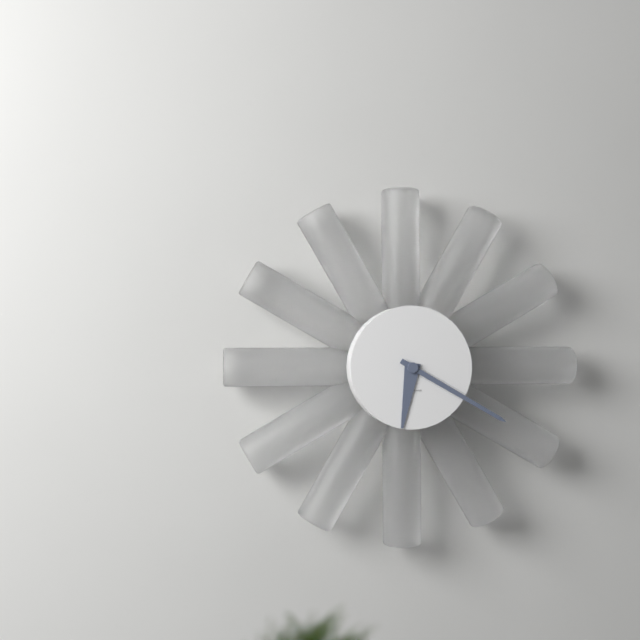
6.20
